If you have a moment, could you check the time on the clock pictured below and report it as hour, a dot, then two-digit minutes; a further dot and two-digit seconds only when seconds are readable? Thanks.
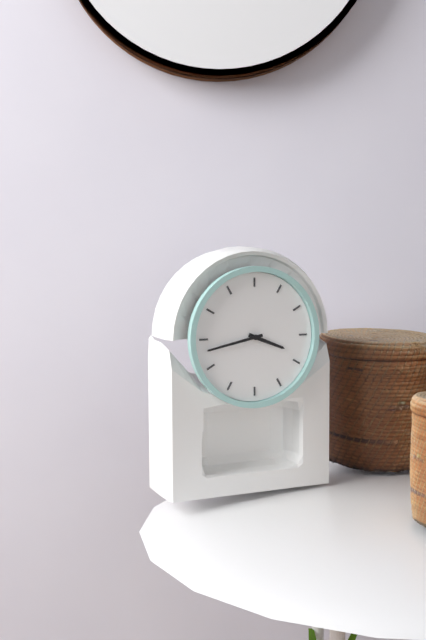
3.43
